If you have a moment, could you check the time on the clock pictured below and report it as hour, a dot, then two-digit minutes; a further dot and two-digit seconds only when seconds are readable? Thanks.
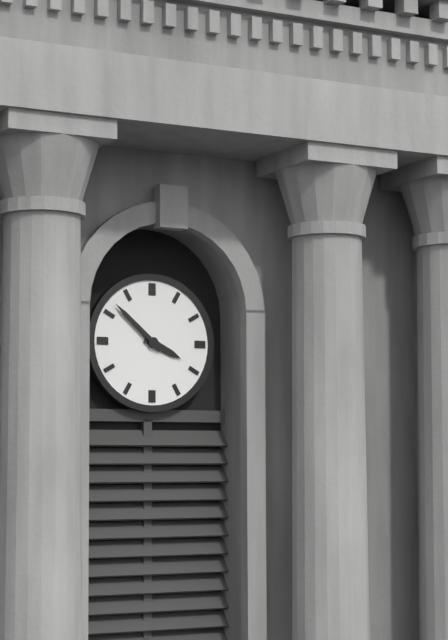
3.52
